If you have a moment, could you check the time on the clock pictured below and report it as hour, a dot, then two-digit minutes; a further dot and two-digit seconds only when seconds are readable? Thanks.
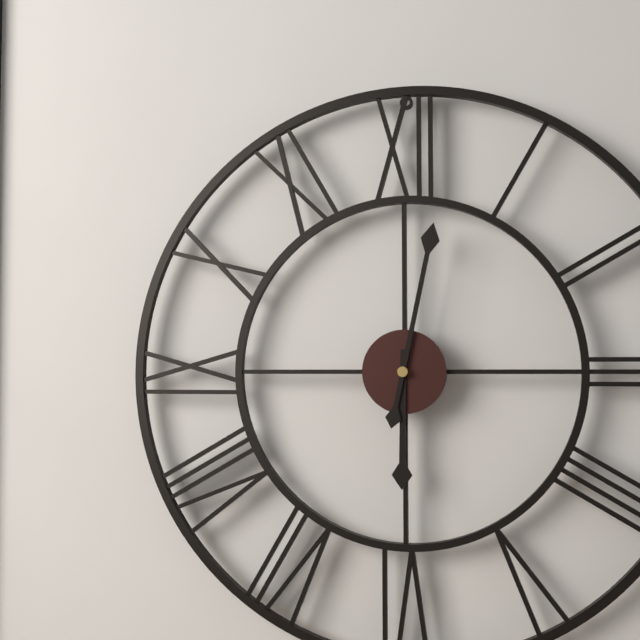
6.02
